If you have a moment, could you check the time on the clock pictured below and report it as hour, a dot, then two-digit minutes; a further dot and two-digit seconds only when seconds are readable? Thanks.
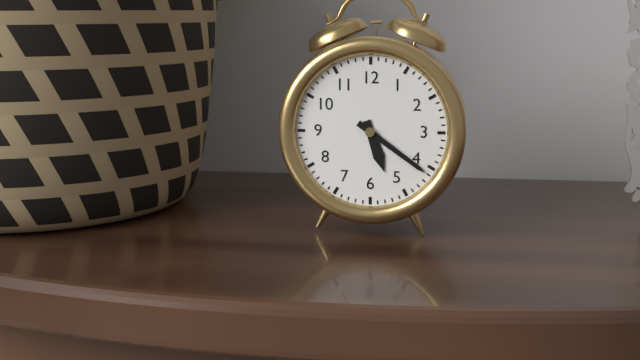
5.21
